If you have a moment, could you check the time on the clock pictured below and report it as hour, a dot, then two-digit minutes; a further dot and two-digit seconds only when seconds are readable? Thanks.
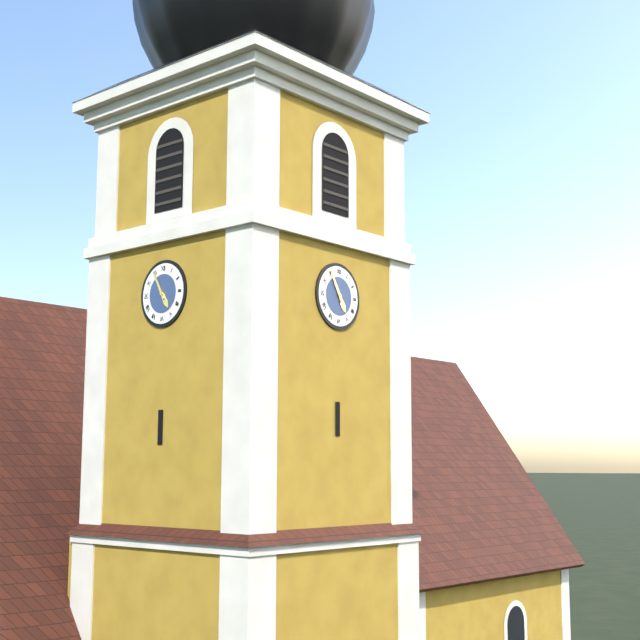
4.55
